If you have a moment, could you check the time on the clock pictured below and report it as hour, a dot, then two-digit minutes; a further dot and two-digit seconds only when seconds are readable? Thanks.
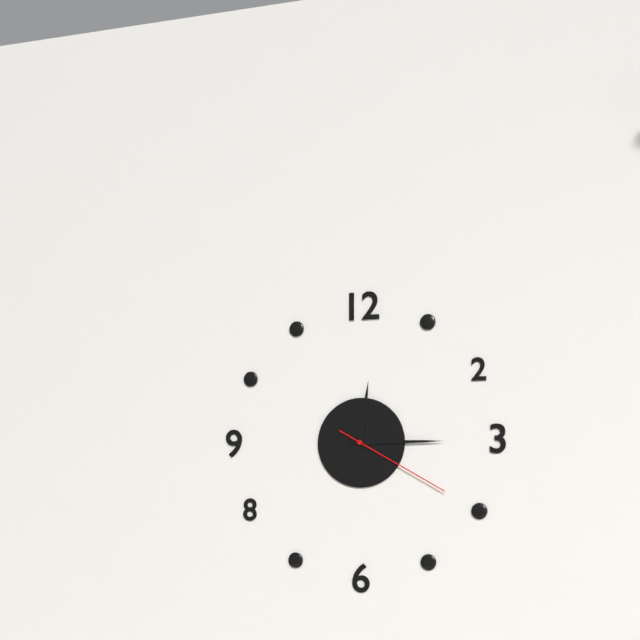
12.15.20
